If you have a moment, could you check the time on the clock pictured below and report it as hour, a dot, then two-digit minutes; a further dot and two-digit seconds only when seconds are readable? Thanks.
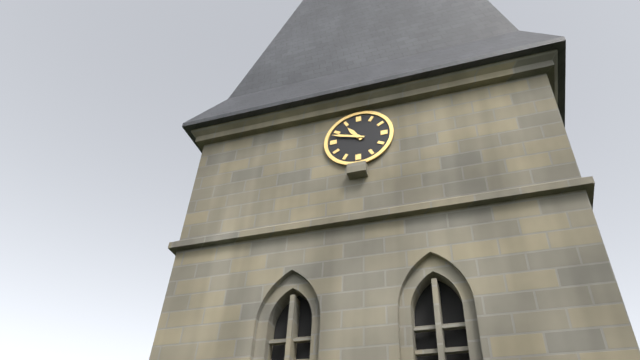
10.48
